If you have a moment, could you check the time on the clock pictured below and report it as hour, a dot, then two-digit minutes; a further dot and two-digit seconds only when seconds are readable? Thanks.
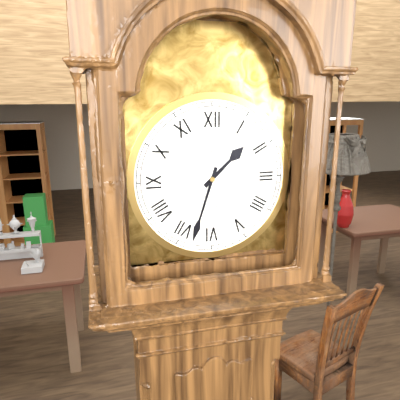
1.33
